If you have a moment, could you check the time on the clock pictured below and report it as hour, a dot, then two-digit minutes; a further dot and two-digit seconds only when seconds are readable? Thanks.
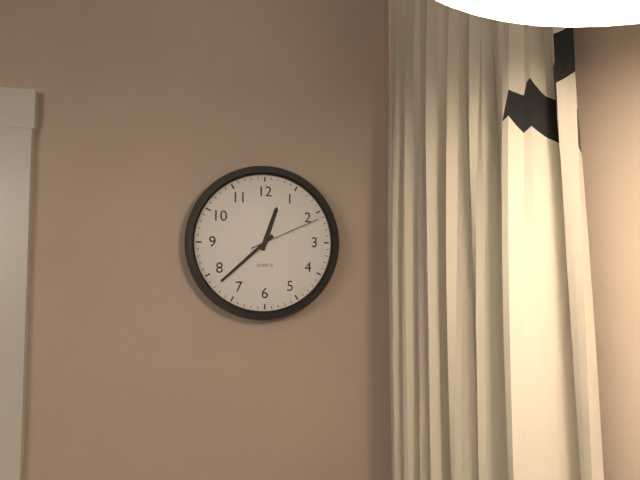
12.38.11
